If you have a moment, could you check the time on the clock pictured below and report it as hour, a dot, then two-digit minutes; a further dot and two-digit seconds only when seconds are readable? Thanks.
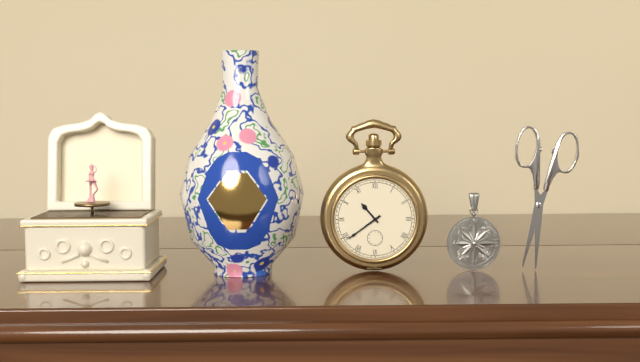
10.39
